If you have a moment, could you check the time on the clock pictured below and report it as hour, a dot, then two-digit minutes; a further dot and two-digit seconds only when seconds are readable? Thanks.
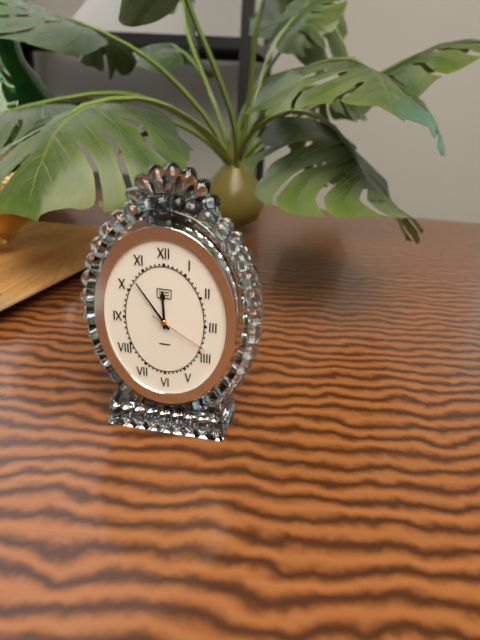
11.54.20
